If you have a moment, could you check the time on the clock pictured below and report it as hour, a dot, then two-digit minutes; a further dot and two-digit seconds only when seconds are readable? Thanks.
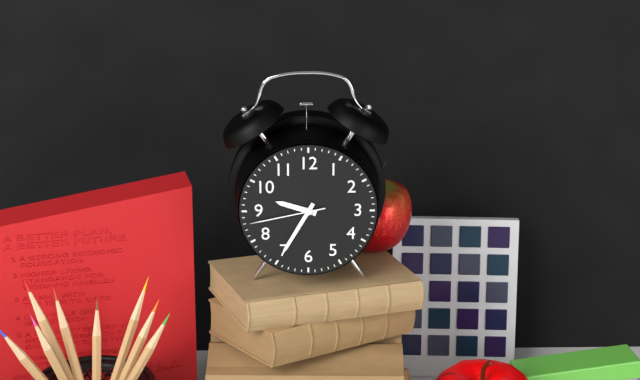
9.35.43
